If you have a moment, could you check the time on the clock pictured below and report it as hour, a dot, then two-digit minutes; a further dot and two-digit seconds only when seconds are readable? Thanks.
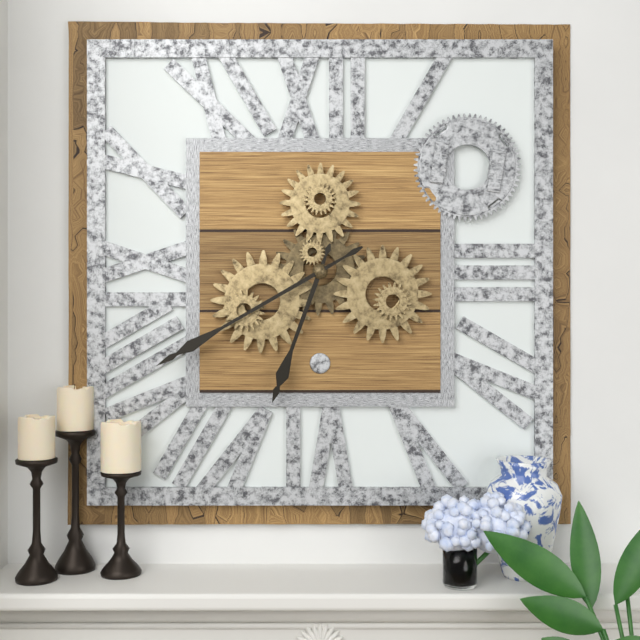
6.40
